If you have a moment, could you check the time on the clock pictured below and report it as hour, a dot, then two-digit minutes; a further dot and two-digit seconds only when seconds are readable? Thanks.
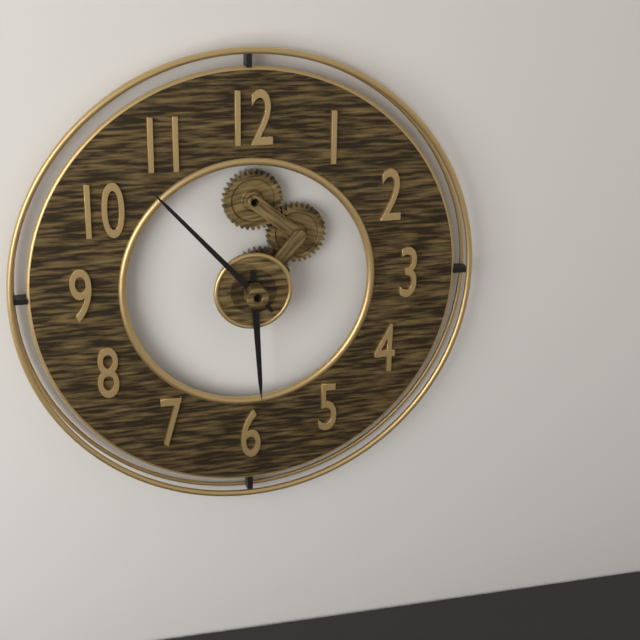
5.53
